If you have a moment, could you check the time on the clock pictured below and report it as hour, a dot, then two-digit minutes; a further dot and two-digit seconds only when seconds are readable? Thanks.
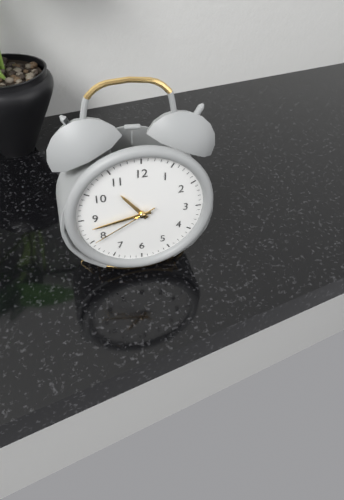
10.43.40
